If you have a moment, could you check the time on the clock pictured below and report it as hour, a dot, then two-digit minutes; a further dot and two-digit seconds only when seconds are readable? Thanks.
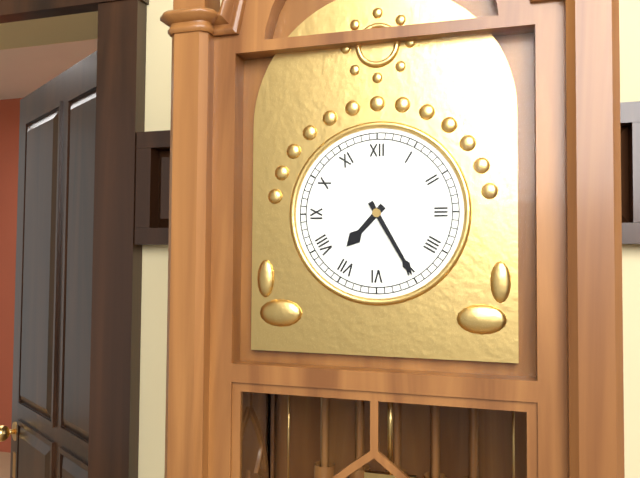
7.25
